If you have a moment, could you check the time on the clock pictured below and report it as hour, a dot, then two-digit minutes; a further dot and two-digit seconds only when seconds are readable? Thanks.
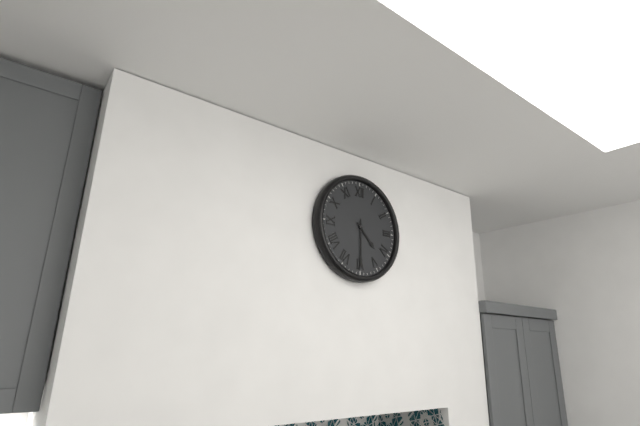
4.30
